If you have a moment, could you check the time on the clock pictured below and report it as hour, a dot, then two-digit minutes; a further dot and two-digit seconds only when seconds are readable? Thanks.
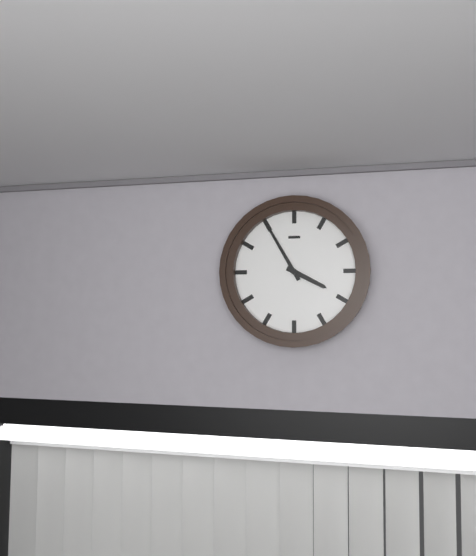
3.55
